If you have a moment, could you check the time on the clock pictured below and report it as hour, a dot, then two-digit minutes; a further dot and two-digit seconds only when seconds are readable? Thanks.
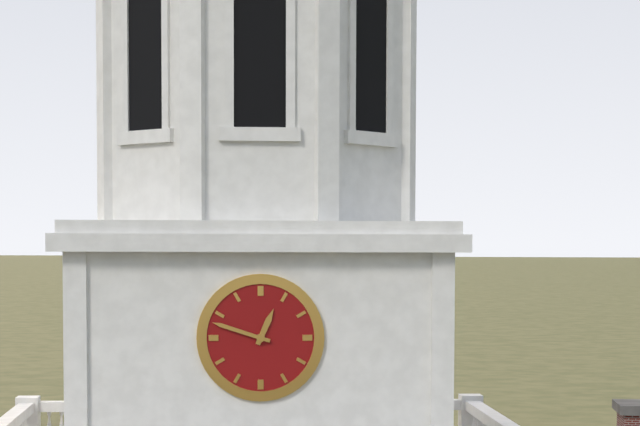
12.48
